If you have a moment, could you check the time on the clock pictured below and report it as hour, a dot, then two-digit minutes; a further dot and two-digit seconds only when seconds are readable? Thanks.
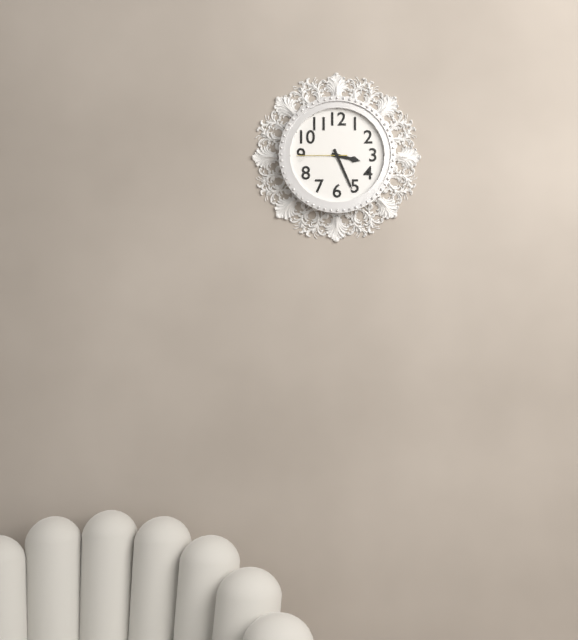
3.26.45
